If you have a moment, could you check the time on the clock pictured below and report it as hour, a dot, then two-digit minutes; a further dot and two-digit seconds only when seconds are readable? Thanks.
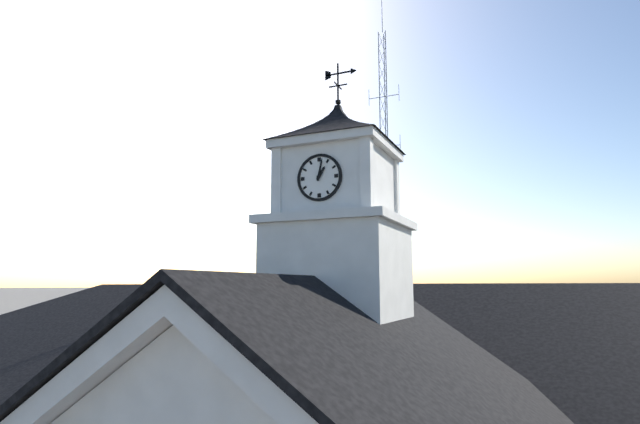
1.02
